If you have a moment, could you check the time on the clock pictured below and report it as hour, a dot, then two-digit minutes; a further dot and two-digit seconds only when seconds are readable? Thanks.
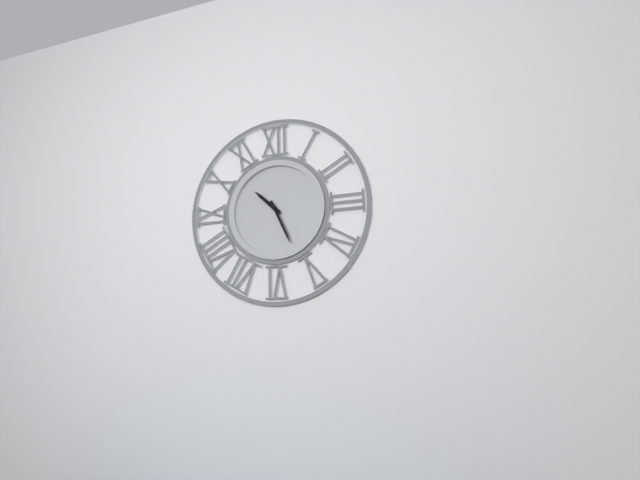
10.26
